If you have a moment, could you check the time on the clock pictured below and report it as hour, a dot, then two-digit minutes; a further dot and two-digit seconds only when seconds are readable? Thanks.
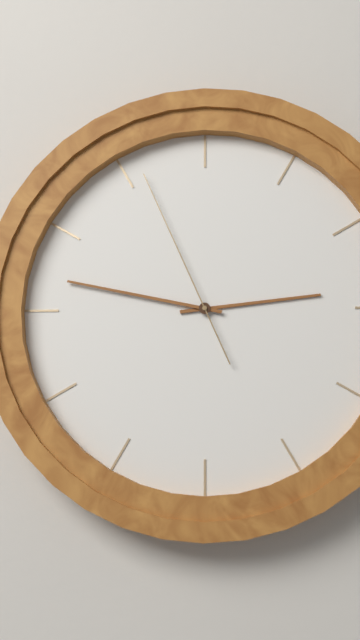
2.47.56
